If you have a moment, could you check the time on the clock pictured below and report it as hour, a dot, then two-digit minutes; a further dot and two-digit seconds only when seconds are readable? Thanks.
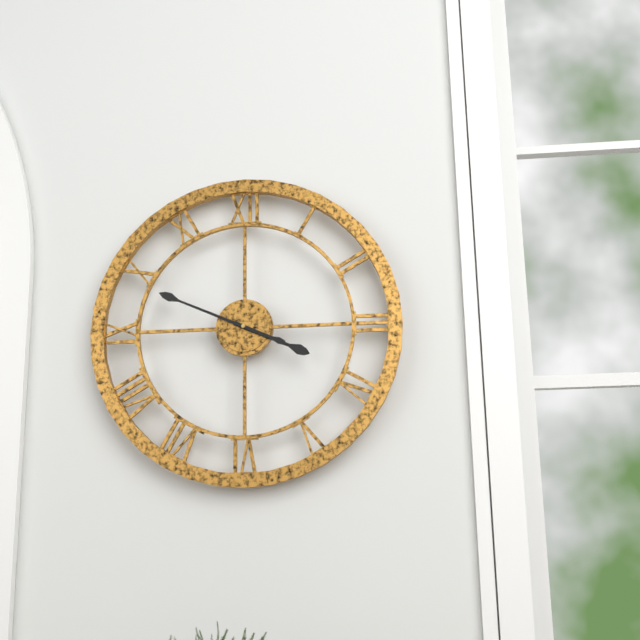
3.49
